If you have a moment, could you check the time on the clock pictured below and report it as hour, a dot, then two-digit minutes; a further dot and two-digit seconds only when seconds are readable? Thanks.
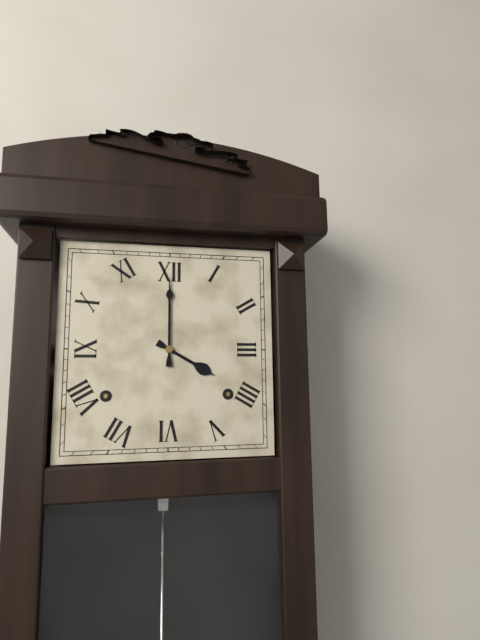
4.00
